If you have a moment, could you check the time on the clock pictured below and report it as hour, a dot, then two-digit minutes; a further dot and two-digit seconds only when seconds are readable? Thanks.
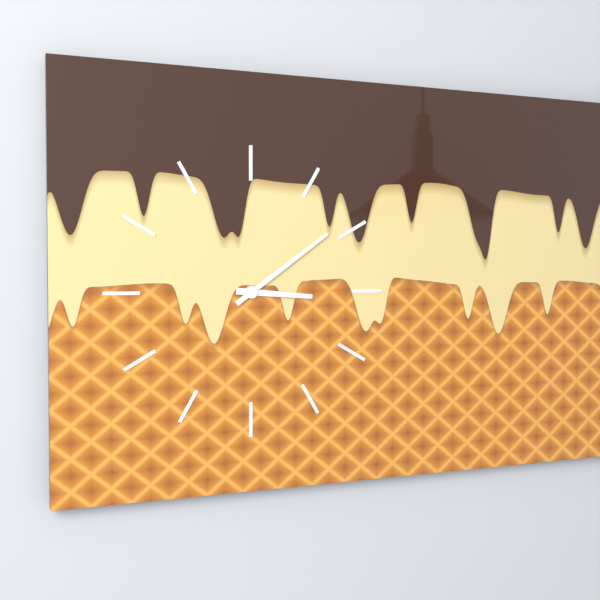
3.09
